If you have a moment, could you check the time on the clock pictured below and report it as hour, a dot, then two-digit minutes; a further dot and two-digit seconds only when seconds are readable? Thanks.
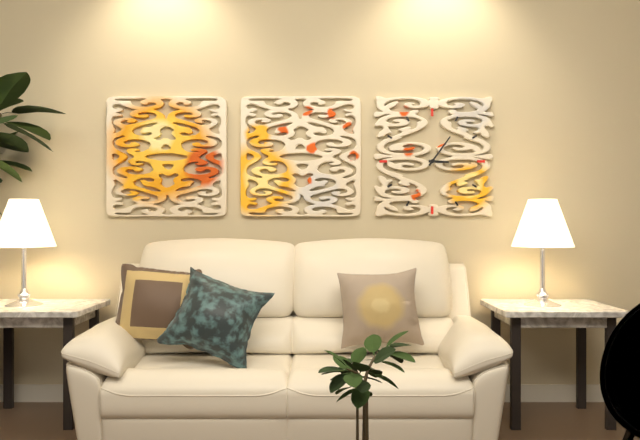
3.06
